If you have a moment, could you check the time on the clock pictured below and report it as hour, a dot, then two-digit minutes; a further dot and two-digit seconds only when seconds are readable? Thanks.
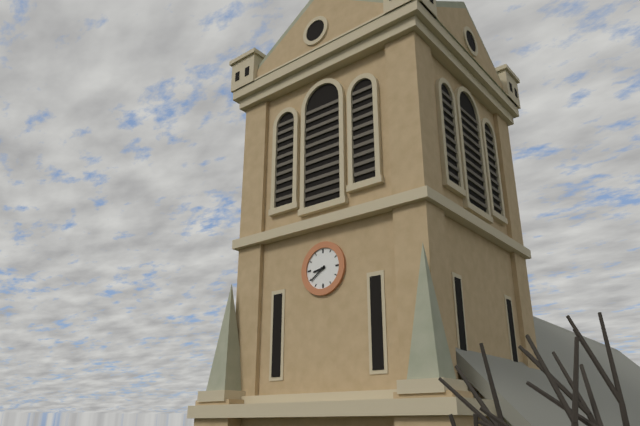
8.39
